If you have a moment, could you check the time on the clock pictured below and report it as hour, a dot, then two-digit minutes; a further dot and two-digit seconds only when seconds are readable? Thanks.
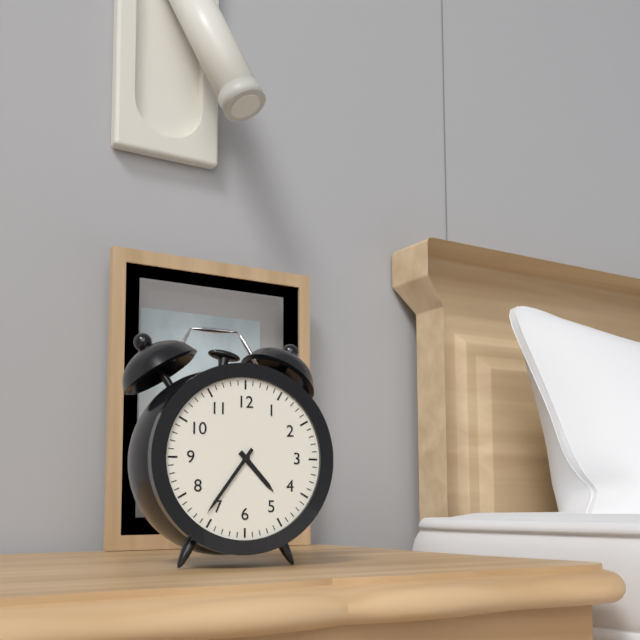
4.36
